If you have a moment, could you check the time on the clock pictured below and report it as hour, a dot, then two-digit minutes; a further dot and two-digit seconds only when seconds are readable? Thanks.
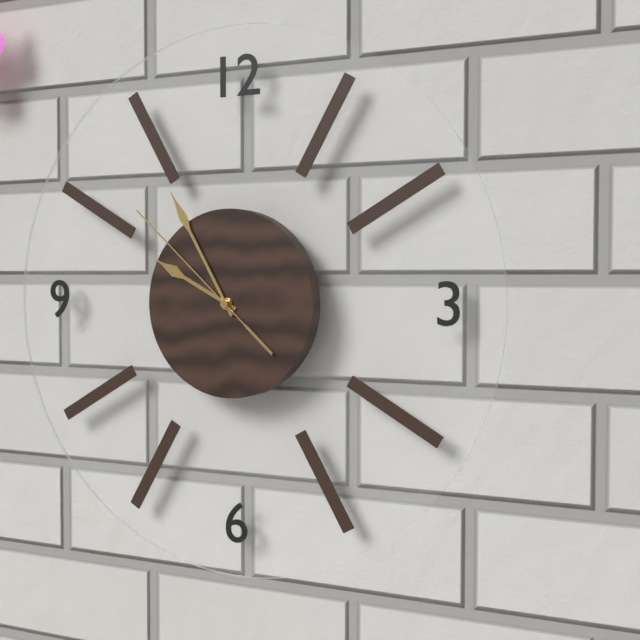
9.55.52
